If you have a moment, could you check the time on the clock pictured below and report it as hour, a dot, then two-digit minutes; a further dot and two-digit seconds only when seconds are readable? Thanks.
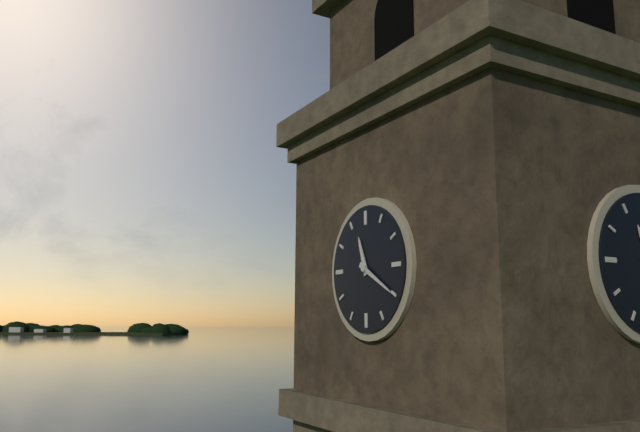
11.20
